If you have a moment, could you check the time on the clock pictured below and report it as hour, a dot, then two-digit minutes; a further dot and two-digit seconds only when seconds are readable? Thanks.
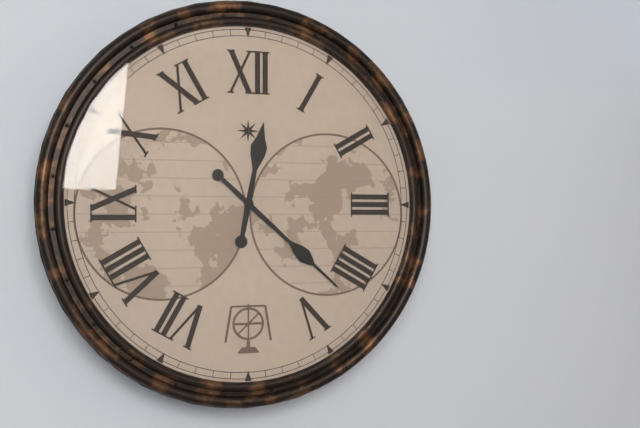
12.22
